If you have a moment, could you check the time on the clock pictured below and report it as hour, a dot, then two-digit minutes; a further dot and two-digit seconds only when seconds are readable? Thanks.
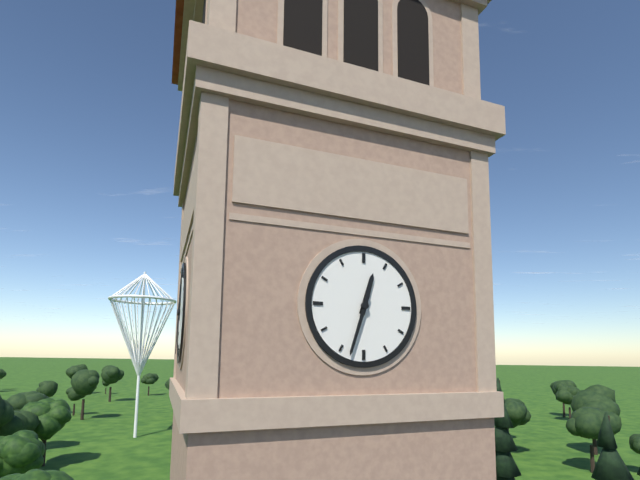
12.33
